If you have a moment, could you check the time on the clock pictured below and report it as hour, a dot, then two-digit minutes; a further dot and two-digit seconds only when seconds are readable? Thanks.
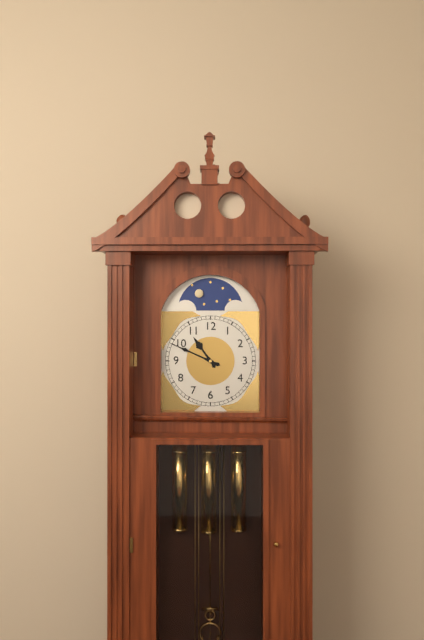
10.49
